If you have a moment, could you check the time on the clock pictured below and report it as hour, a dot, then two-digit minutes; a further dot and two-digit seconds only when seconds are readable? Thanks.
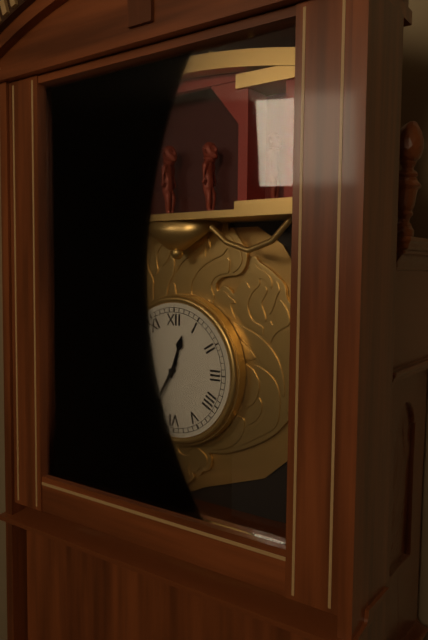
12.35
